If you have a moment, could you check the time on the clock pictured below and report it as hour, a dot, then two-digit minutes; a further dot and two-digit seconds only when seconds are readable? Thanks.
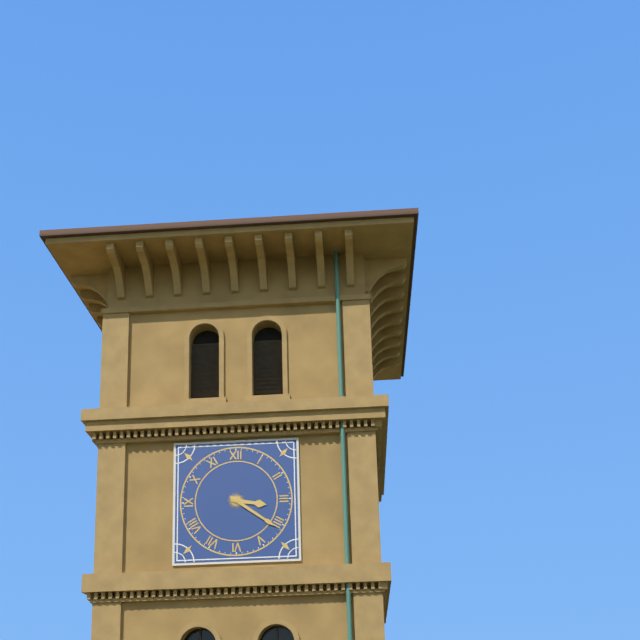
3.21
